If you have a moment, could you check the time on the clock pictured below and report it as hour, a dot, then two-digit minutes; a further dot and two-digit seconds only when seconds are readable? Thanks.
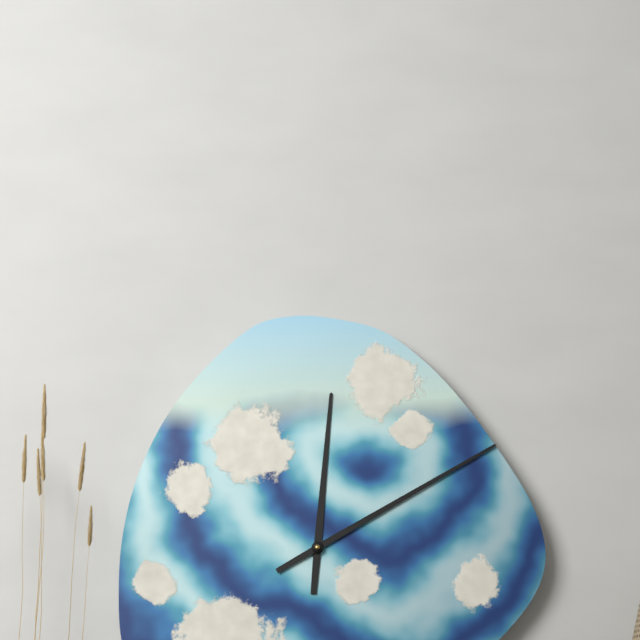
12.10
